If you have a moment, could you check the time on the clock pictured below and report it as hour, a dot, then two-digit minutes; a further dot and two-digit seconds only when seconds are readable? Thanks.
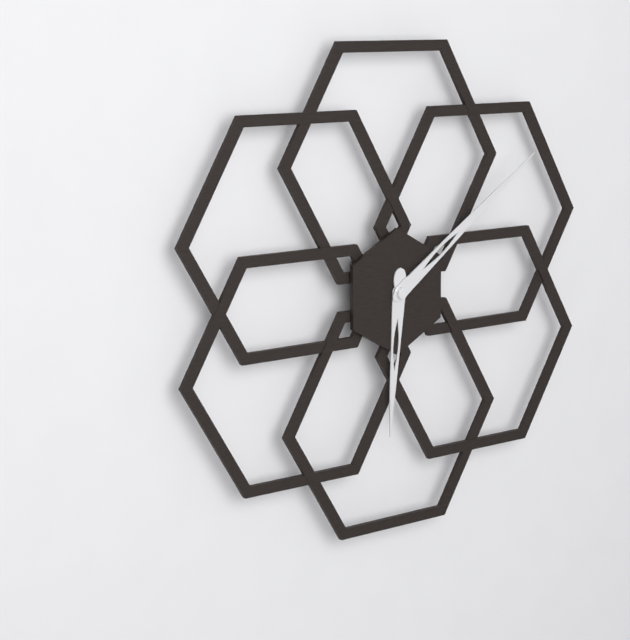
6.09
